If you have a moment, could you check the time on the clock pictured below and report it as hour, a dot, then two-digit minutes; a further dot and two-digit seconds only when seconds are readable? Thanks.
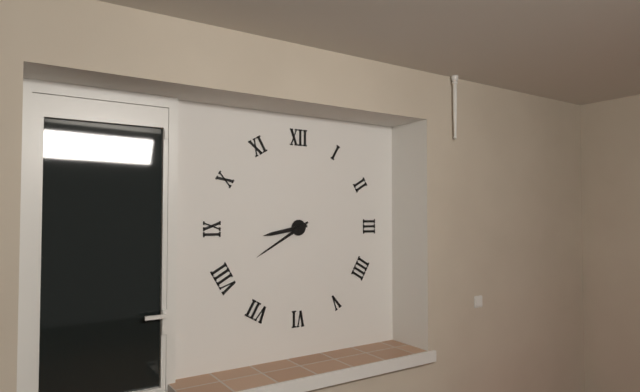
8.40
